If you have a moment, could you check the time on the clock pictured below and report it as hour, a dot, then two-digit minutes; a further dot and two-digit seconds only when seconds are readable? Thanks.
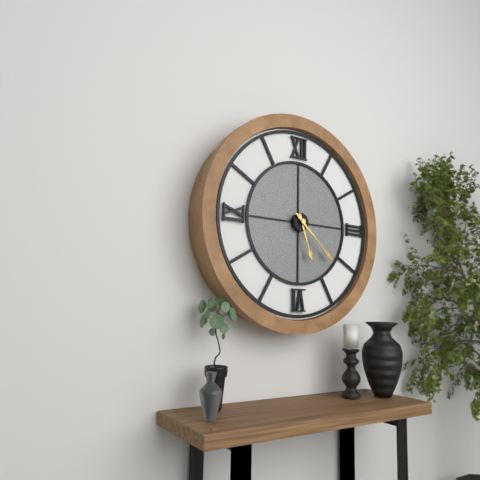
5.22
